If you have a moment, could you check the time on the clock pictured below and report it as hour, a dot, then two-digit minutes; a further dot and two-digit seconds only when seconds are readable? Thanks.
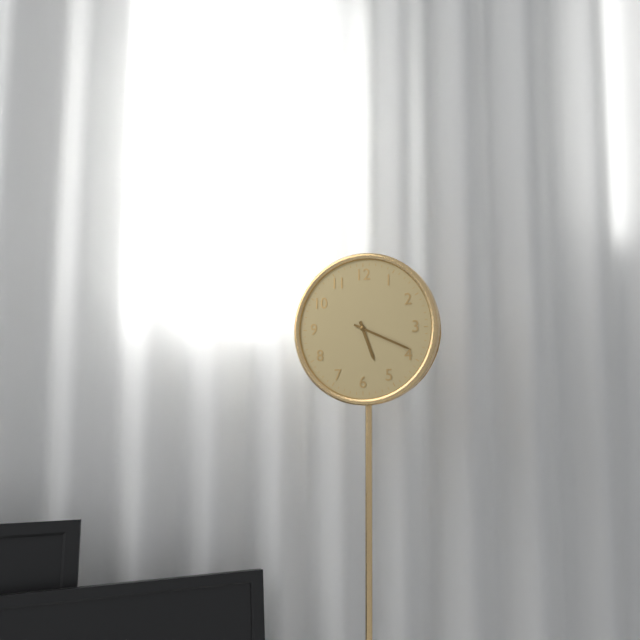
5.19
